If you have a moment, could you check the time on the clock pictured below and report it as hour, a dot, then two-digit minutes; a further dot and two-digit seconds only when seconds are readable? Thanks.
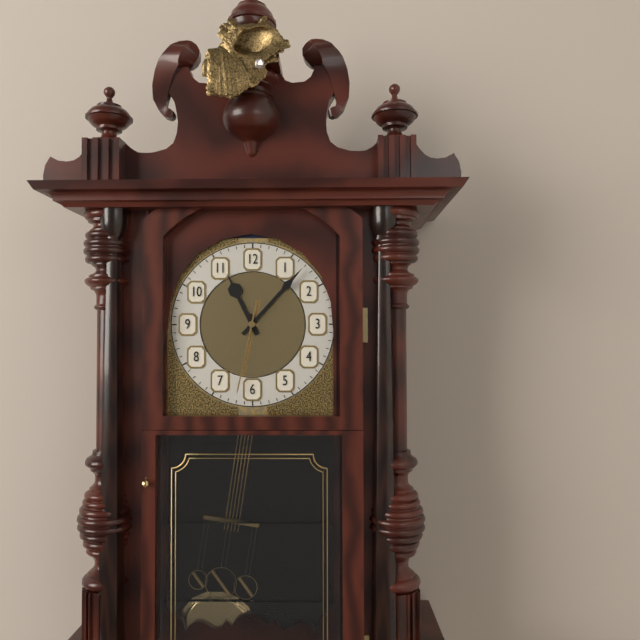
11.07.32
